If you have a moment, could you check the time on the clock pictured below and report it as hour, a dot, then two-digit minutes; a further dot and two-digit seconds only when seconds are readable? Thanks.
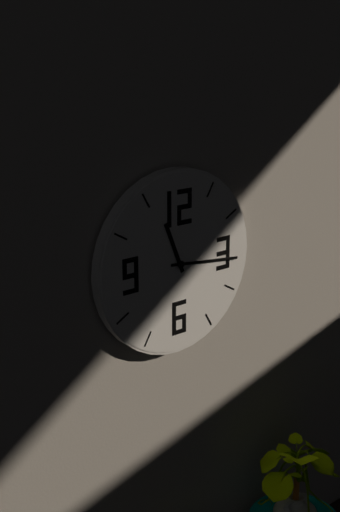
11.16
